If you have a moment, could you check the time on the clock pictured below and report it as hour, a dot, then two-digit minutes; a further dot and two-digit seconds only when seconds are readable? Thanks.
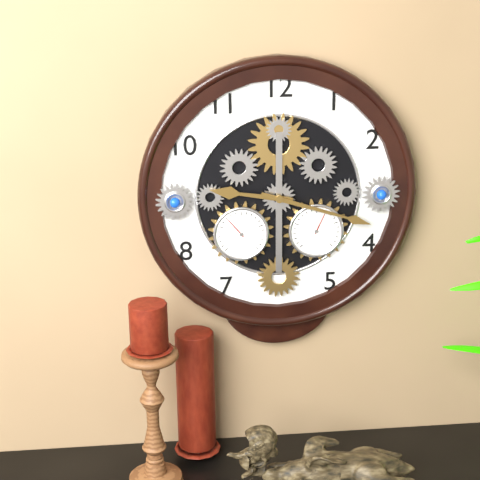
9.18
